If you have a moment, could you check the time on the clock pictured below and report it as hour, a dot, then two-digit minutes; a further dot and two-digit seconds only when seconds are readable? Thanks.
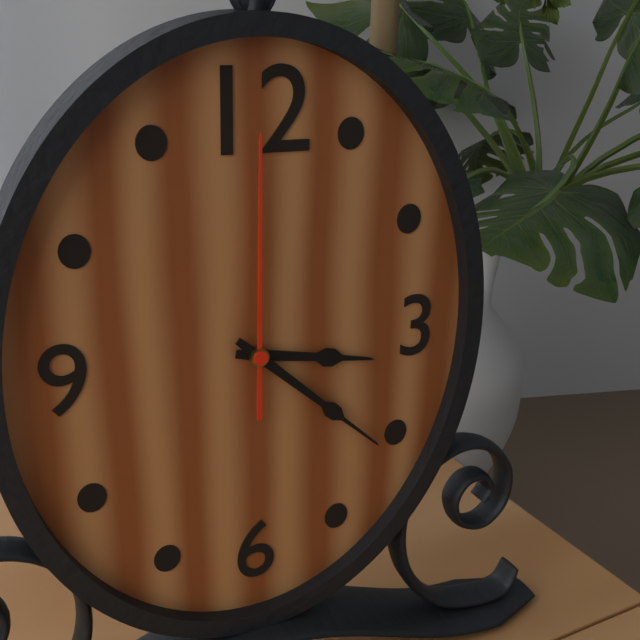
3.22.00
